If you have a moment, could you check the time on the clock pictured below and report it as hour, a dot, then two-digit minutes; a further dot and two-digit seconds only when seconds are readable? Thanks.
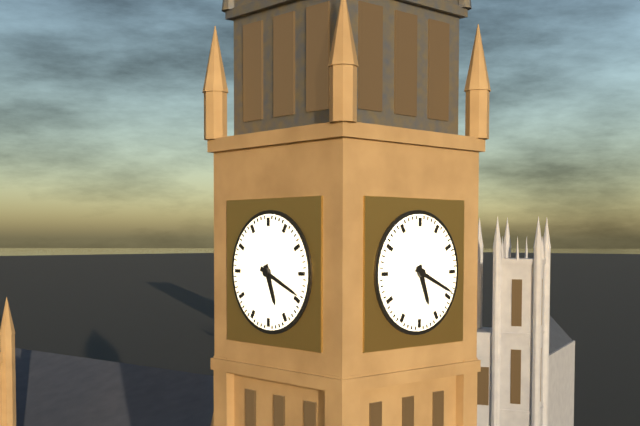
5.19
